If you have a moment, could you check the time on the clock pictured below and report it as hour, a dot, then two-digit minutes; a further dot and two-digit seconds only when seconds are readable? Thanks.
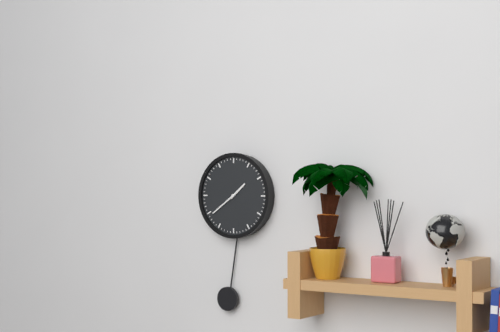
1.39
